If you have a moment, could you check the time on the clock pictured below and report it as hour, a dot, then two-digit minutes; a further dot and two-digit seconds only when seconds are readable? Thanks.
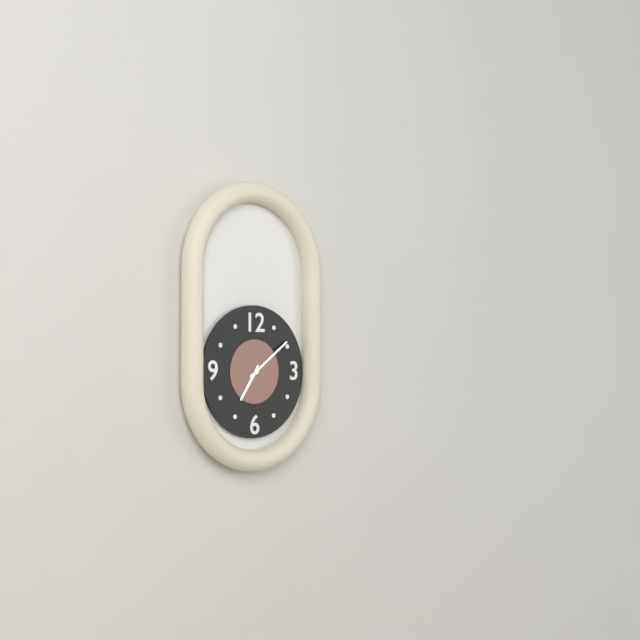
7.09
